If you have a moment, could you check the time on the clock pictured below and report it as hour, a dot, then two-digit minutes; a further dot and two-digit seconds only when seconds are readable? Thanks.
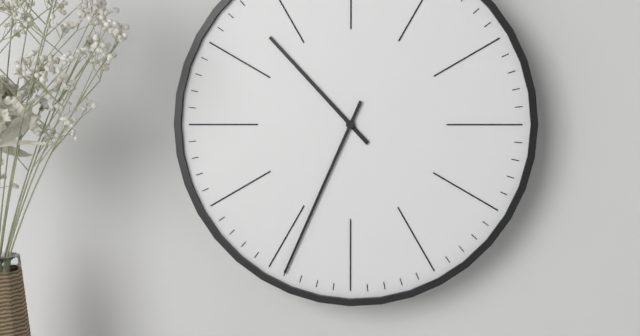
10.34
